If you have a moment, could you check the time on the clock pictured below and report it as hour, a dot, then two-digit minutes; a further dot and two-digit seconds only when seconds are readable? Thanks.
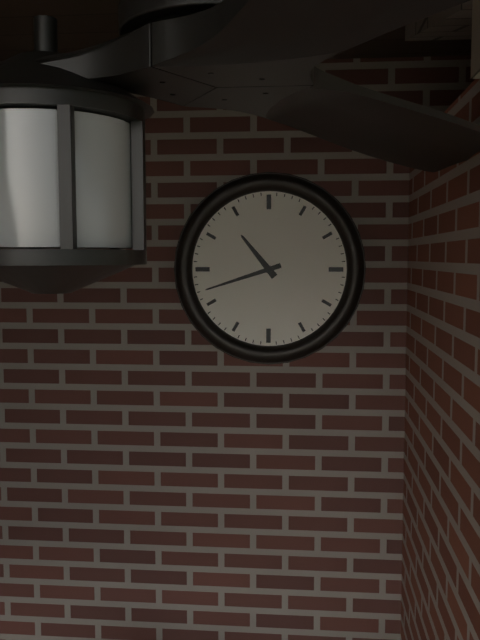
10.42
